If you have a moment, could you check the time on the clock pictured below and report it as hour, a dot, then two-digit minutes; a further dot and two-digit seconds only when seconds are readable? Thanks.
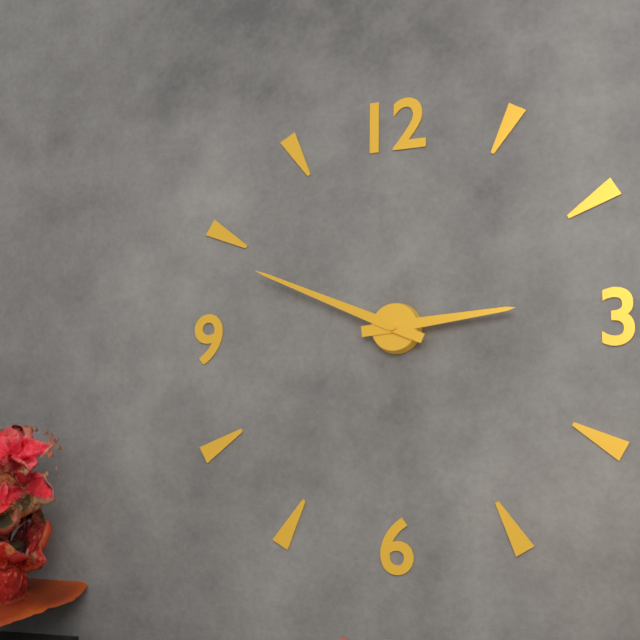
2.49
